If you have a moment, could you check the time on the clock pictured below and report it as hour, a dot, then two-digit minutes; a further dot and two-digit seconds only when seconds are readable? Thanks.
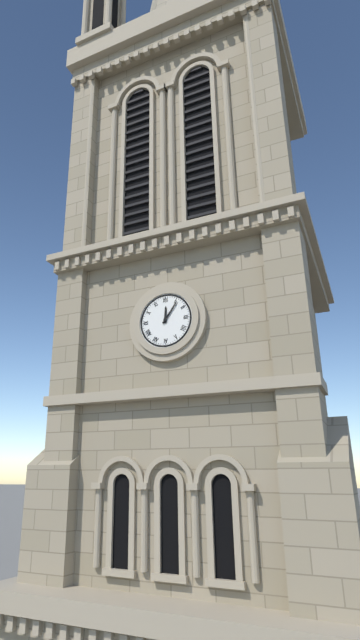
12.06
